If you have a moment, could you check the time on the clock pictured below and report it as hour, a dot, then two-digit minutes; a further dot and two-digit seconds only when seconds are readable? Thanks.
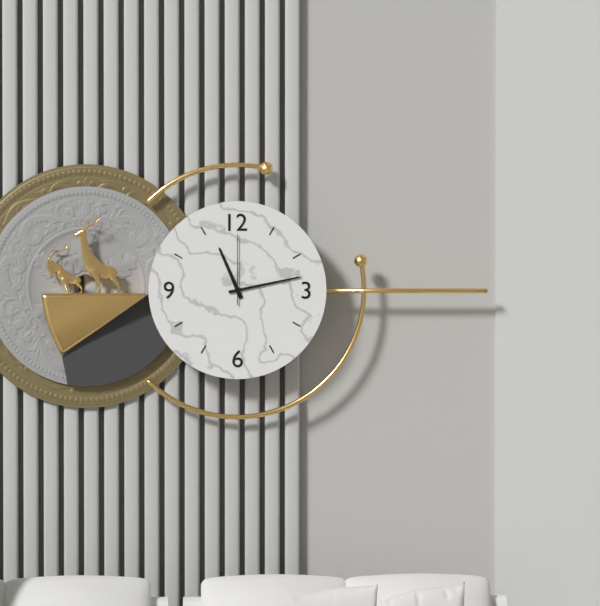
11.13.00
